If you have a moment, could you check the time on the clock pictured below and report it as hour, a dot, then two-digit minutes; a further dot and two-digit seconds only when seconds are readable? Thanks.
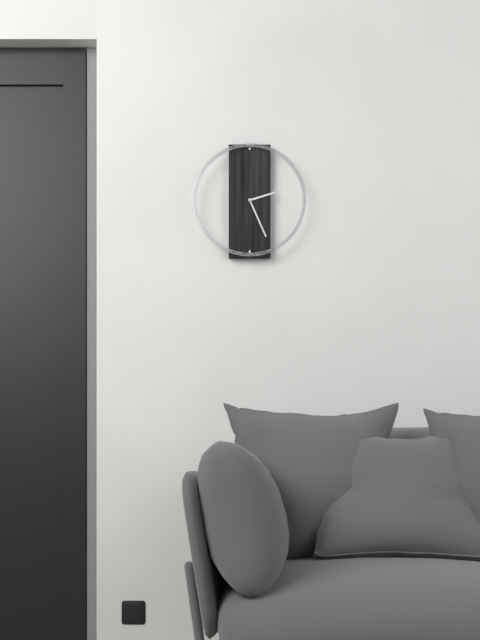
2.26
